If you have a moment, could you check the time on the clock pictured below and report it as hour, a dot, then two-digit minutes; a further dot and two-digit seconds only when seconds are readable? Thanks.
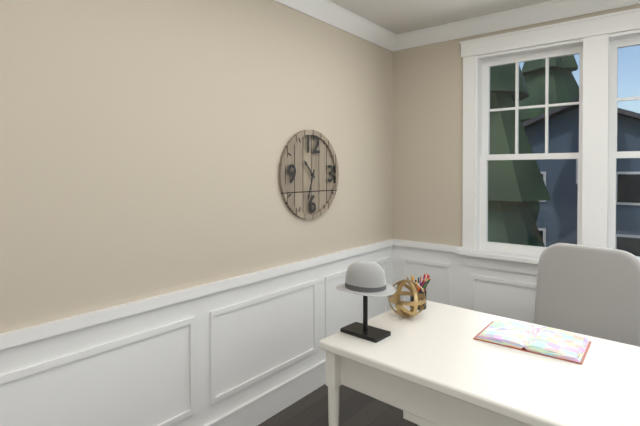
10.33
